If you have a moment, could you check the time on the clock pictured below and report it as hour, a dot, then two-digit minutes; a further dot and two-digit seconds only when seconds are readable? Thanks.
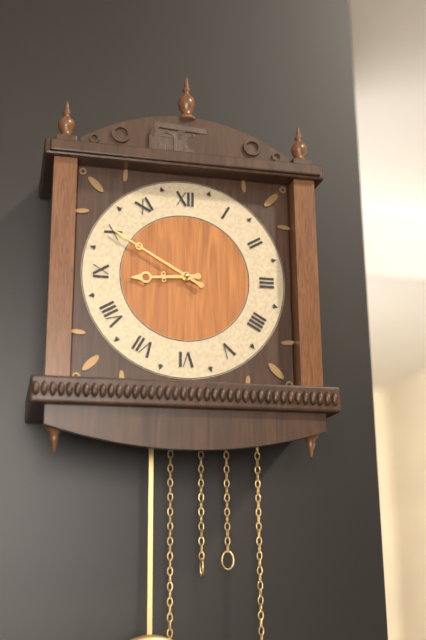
8.50
